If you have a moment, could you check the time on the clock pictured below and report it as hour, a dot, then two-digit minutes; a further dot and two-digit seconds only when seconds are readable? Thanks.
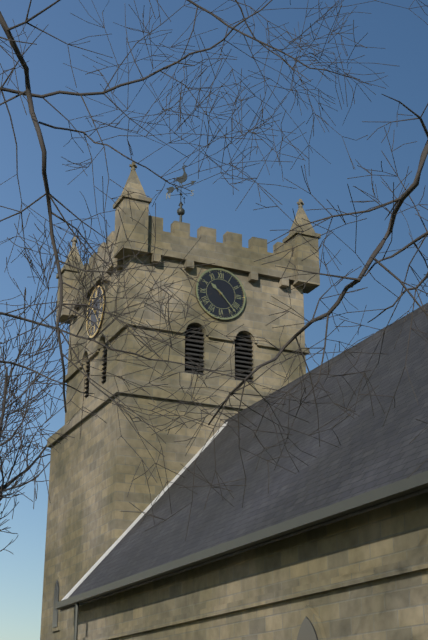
10.23
